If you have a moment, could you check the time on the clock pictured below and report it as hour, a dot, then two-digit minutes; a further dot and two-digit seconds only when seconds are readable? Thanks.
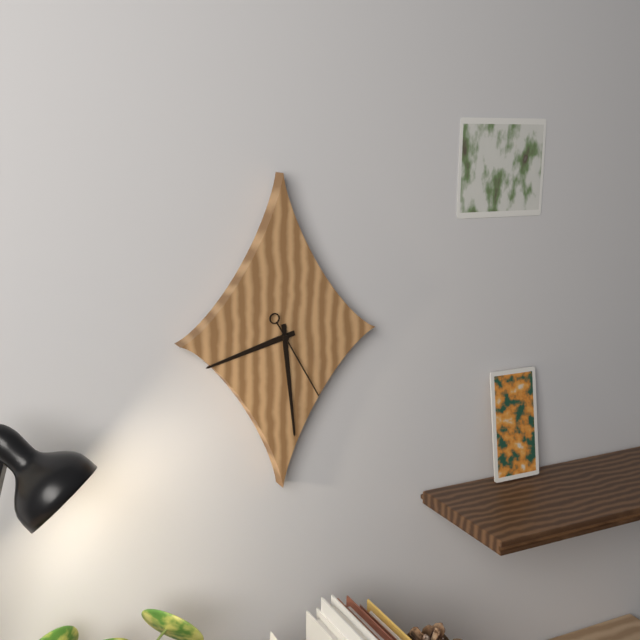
8.29.25
